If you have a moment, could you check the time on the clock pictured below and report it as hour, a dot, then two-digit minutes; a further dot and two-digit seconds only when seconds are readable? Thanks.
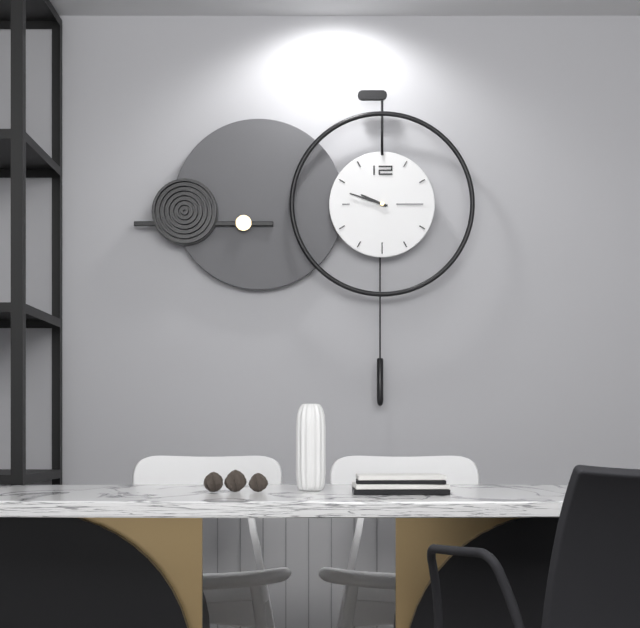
9.48
